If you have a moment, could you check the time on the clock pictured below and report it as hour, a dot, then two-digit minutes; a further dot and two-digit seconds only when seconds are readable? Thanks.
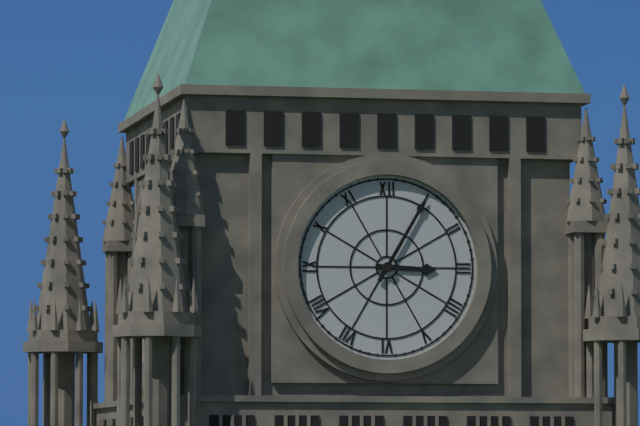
3.05
